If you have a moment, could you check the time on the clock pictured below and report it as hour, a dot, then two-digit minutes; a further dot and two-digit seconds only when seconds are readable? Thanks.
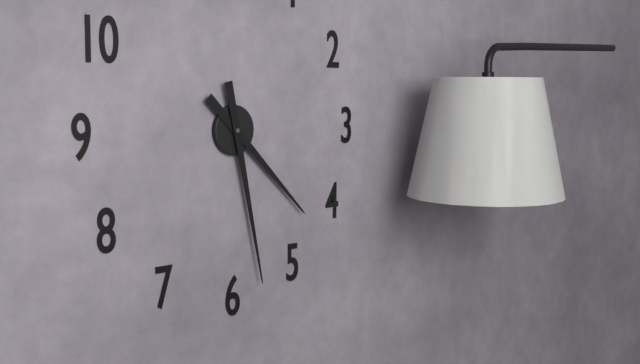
4.28
